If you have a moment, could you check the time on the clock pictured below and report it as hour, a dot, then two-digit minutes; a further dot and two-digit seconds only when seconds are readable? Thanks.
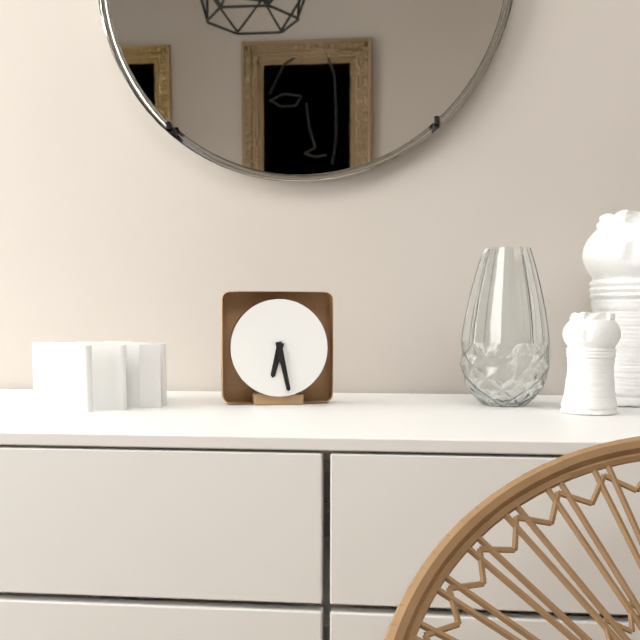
6.28
